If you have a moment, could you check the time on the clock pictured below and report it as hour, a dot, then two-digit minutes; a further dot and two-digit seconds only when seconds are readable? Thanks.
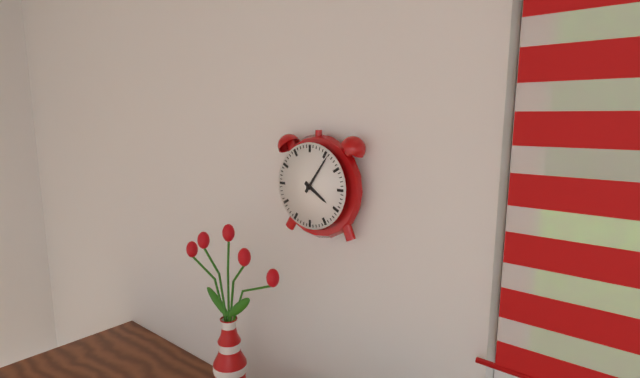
4.06
